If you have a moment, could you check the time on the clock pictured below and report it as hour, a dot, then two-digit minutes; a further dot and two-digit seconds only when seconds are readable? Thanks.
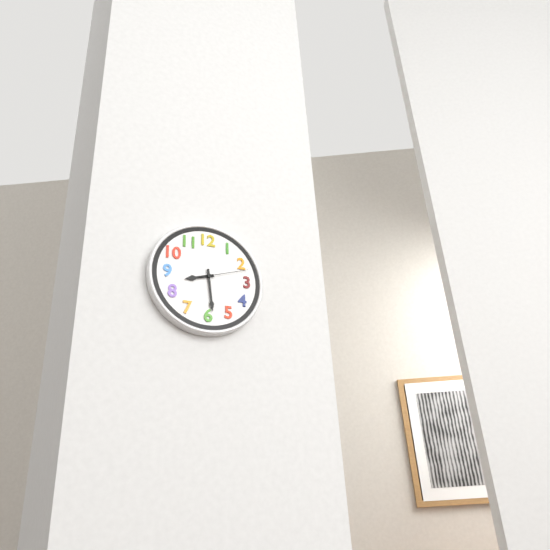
8.29
